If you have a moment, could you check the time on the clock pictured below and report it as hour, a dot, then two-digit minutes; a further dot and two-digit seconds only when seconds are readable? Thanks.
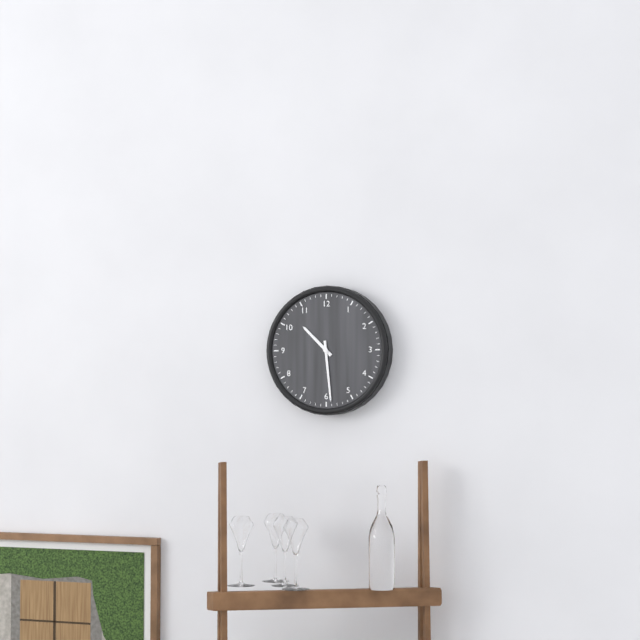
10.29
